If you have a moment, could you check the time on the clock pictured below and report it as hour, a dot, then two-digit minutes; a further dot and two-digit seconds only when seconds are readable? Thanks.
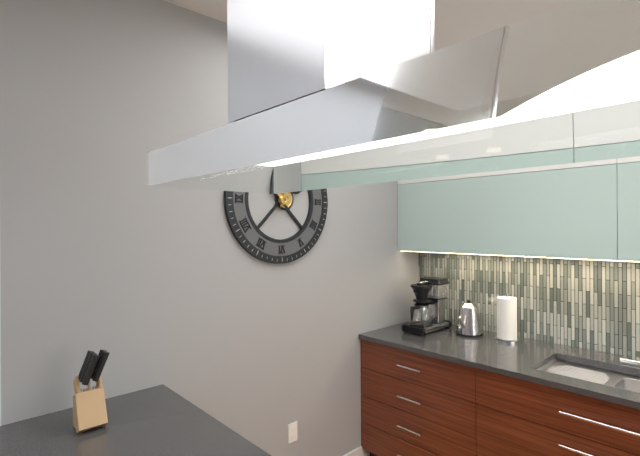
12.53
